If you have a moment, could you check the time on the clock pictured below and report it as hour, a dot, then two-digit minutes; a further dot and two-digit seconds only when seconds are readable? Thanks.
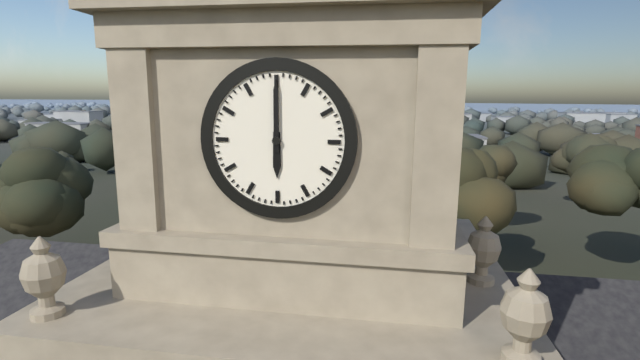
6.00
